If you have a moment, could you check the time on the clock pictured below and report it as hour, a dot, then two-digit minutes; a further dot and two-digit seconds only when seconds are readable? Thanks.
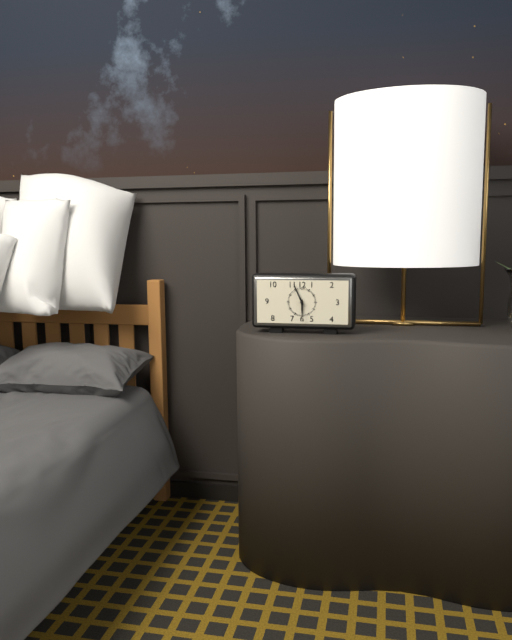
5.56
